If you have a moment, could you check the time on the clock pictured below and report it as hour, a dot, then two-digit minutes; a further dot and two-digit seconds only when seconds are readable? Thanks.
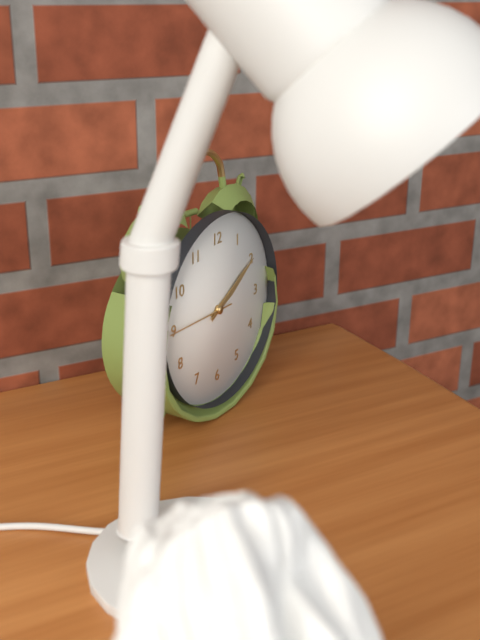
2.10.45
